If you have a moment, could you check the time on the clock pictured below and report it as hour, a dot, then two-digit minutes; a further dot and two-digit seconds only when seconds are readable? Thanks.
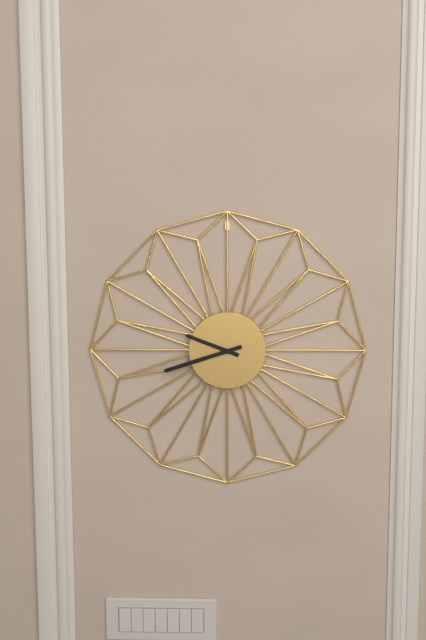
9.42
